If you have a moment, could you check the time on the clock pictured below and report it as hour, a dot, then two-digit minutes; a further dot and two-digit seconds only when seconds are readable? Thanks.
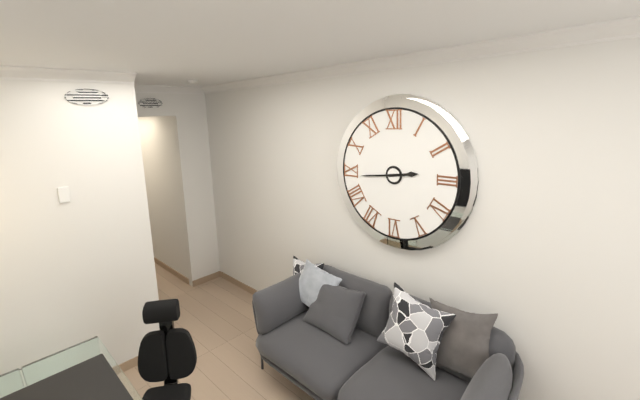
2.44
